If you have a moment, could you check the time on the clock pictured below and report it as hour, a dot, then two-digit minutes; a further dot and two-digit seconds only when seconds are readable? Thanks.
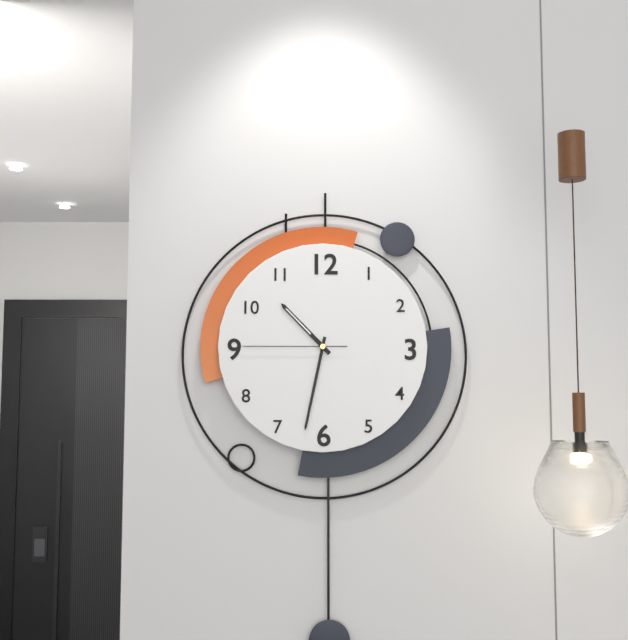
10.32.45
